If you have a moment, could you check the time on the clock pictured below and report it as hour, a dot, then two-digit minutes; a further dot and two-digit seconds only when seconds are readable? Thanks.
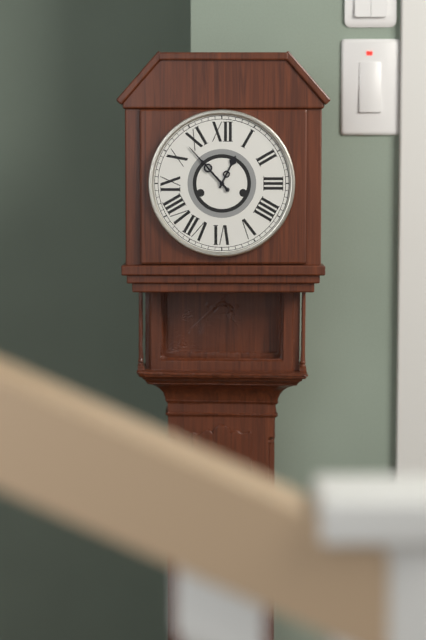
12.53
